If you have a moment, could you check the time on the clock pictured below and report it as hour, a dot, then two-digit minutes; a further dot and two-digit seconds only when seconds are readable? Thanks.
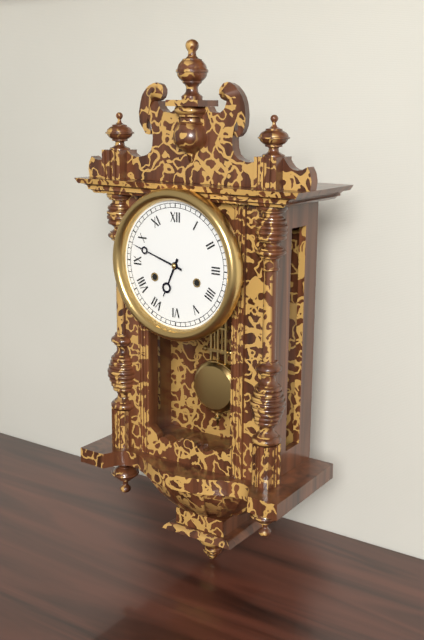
6.48
